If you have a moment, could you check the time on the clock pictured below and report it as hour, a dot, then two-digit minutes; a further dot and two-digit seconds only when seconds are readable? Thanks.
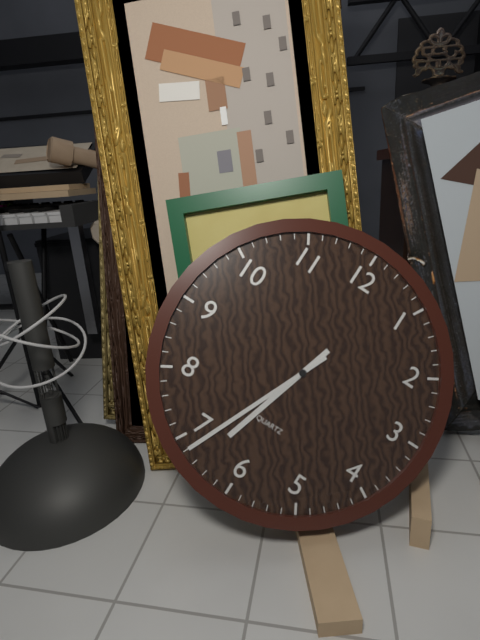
6.34
